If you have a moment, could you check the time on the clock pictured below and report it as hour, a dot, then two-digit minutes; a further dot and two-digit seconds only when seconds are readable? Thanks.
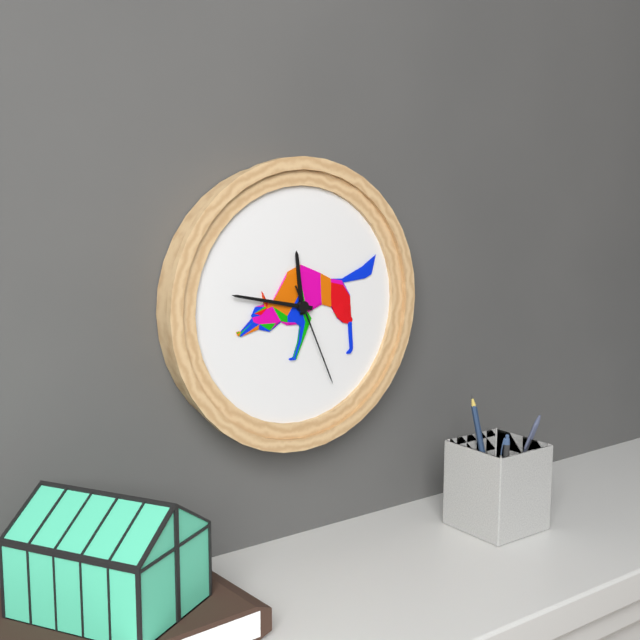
11.47.26
